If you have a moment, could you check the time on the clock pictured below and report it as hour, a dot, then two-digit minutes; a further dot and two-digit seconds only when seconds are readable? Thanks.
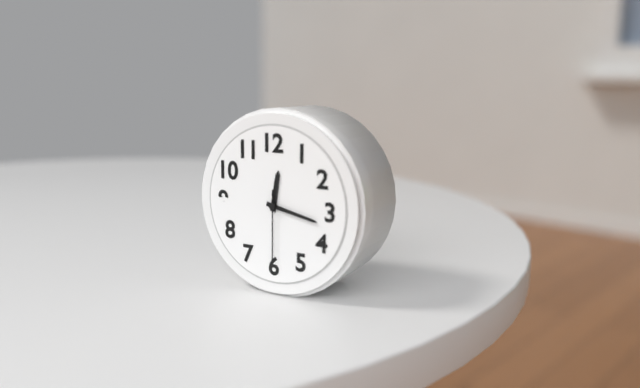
12.17.30
